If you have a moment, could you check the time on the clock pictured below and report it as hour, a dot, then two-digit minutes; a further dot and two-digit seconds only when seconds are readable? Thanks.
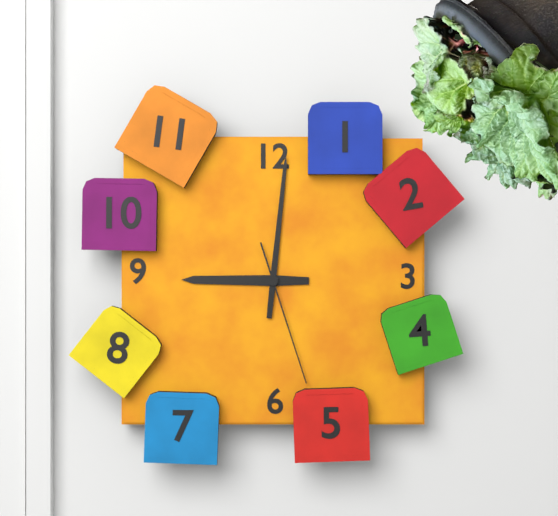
9.01.27
